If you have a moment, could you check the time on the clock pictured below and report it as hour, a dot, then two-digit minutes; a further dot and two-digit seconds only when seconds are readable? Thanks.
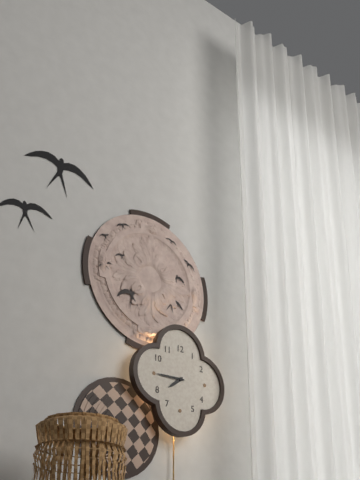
7.45
